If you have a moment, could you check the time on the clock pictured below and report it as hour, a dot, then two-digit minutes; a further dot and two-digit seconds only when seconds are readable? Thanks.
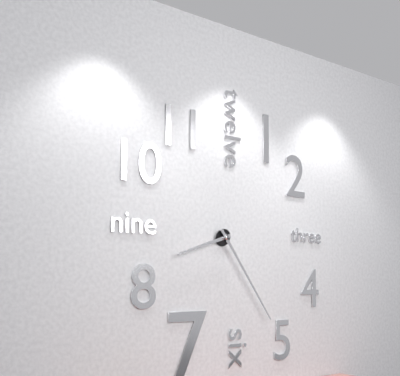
8.24
